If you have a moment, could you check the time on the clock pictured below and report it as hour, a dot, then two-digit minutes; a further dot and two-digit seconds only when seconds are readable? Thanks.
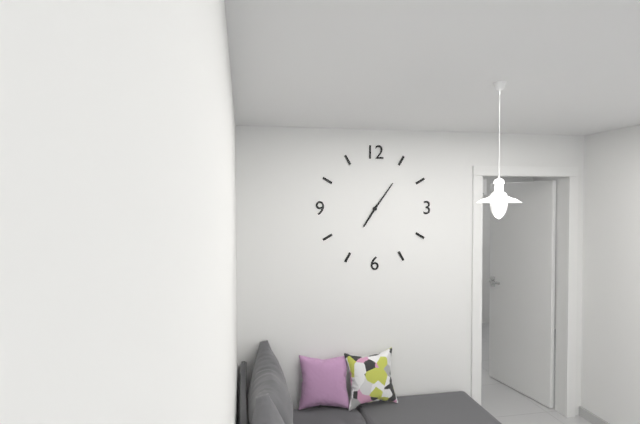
7.06
